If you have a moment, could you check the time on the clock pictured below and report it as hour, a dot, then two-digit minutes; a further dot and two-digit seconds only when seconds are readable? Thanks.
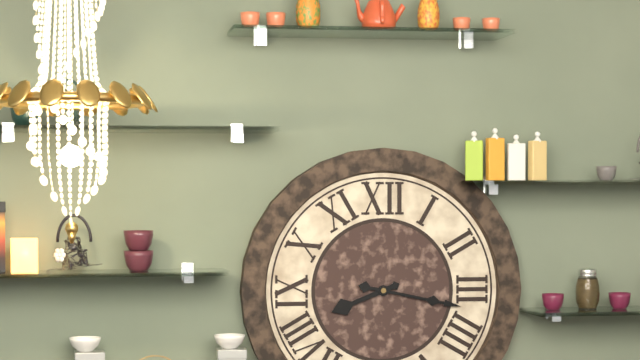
8.17
